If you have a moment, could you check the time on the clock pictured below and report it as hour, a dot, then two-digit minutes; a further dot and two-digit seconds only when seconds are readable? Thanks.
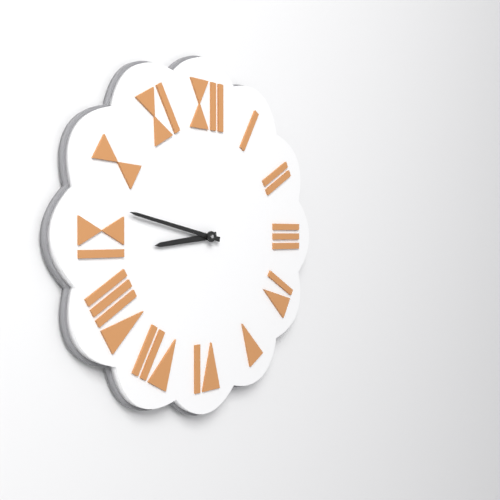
8.47
